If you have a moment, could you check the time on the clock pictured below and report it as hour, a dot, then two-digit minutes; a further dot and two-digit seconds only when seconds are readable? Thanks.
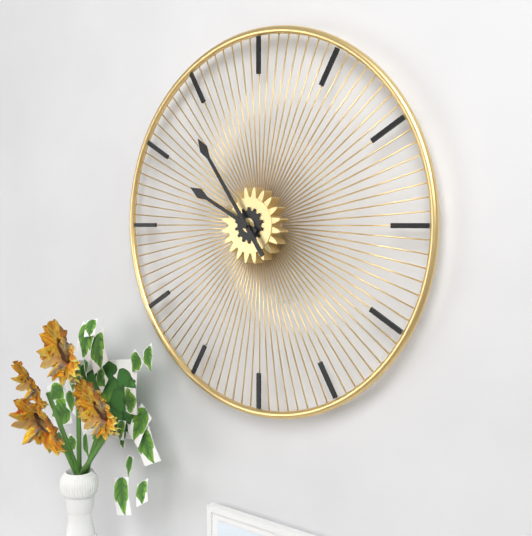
9.54
